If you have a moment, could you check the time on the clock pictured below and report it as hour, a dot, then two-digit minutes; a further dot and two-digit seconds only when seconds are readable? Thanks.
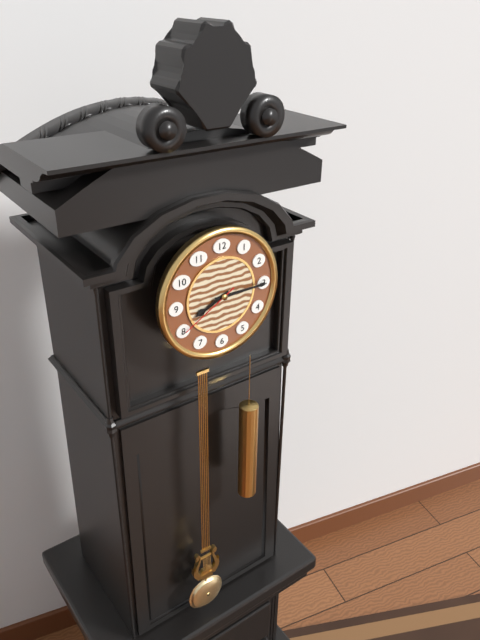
8.15.40
